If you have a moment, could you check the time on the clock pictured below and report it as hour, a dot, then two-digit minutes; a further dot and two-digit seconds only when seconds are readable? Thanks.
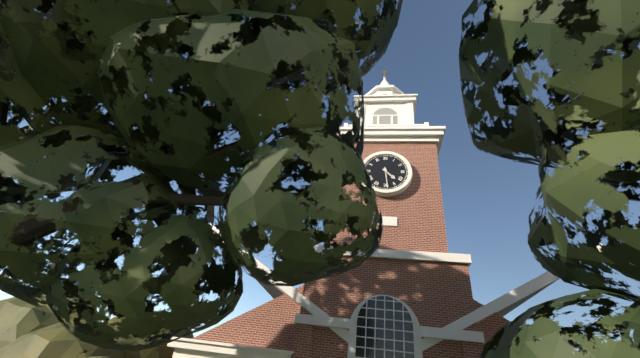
4.29
